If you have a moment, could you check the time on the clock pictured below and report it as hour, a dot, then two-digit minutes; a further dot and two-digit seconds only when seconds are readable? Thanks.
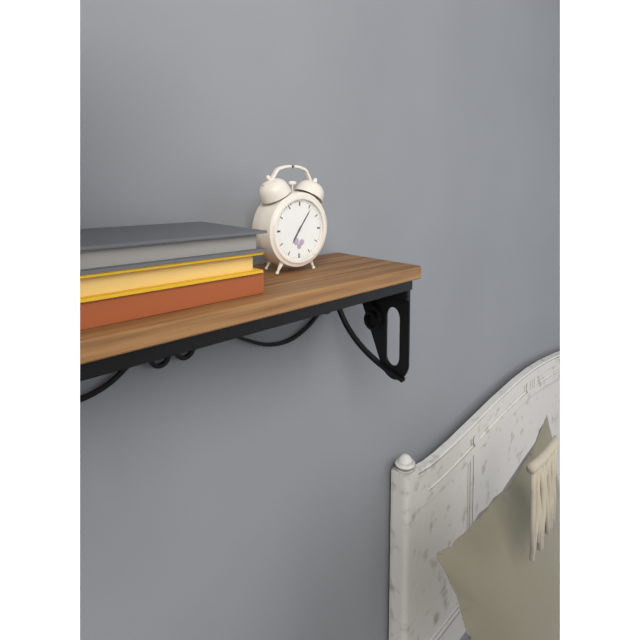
7.06
